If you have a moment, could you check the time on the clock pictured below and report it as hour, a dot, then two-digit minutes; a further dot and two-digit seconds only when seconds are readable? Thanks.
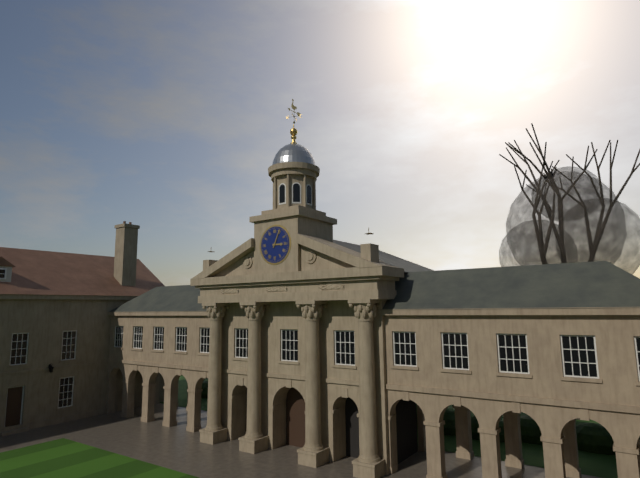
3.04
